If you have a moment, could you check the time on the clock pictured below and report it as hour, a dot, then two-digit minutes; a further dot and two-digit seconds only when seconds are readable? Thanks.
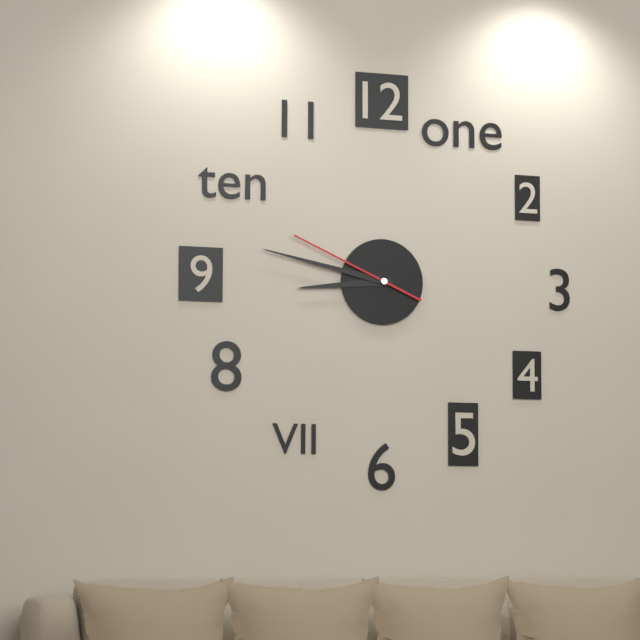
8.47.49
